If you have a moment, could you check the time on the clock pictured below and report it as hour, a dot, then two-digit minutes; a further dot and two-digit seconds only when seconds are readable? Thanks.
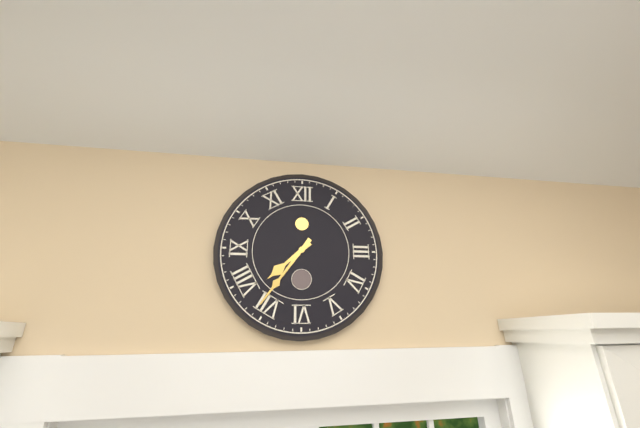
7.36
